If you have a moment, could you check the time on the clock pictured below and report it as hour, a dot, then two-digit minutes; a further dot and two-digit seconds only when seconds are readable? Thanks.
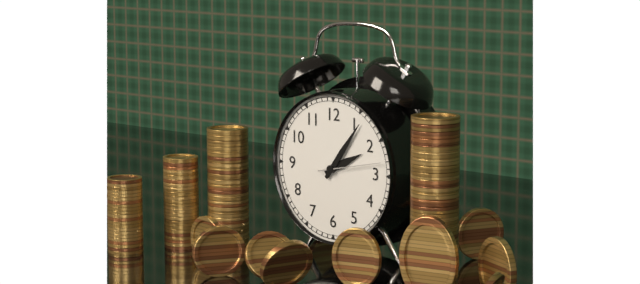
2.06.13
